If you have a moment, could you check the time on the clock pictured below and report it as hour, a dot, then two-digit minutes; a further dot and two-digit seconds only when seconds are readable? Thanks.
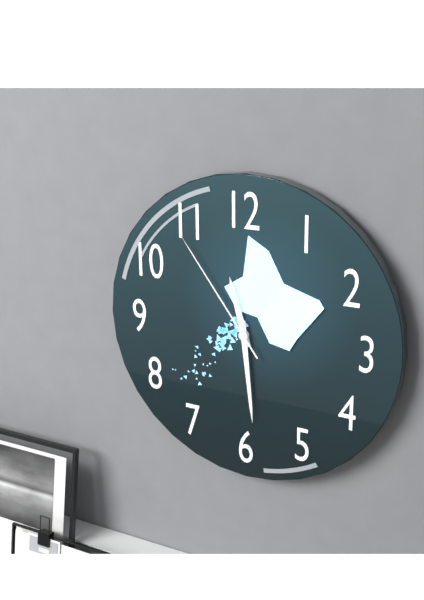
11.29.54
